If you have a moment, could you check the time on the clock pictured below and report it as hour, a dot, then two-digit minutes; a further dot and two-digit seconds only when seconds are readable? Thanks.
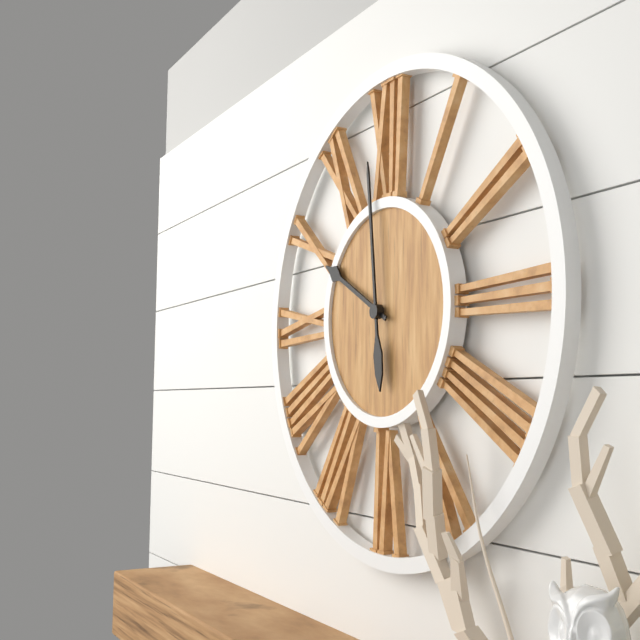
9.59
